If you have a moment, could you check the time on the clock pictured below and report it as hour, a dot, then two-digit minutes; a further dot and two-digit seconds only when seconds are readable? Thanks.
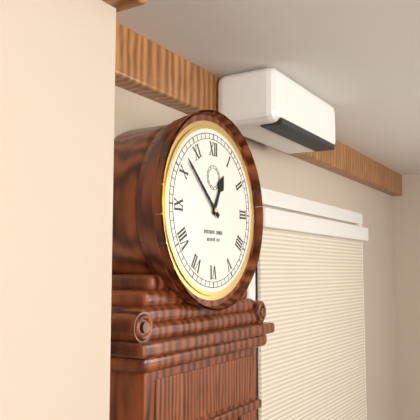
12.52
